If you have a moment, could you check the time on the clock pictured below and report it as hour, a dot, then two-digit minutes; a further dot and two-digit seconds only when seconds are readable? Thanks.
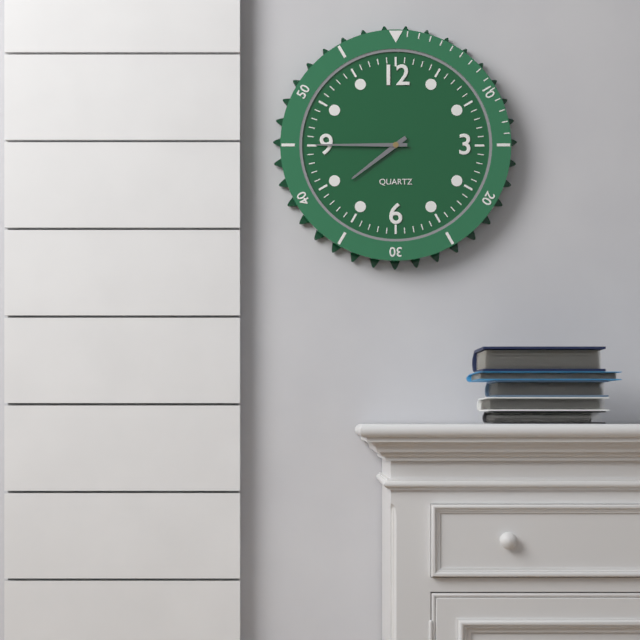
7.45
